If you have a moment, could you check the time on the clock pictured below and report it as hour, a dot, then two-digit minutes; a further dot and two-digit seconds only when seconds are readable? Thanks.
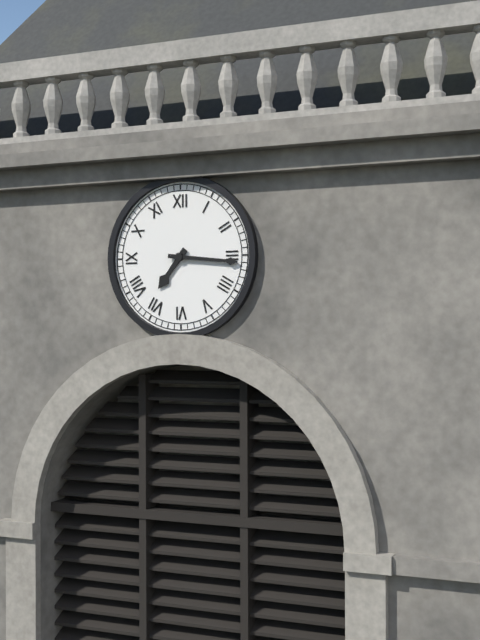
7.16
